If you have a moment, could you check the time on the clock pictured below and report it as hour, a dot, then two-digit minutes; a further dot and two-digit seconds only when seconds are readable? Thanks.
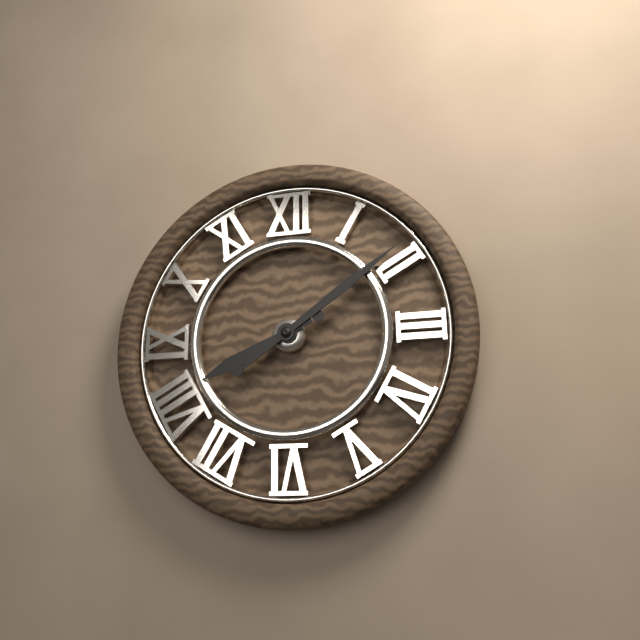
8.09
